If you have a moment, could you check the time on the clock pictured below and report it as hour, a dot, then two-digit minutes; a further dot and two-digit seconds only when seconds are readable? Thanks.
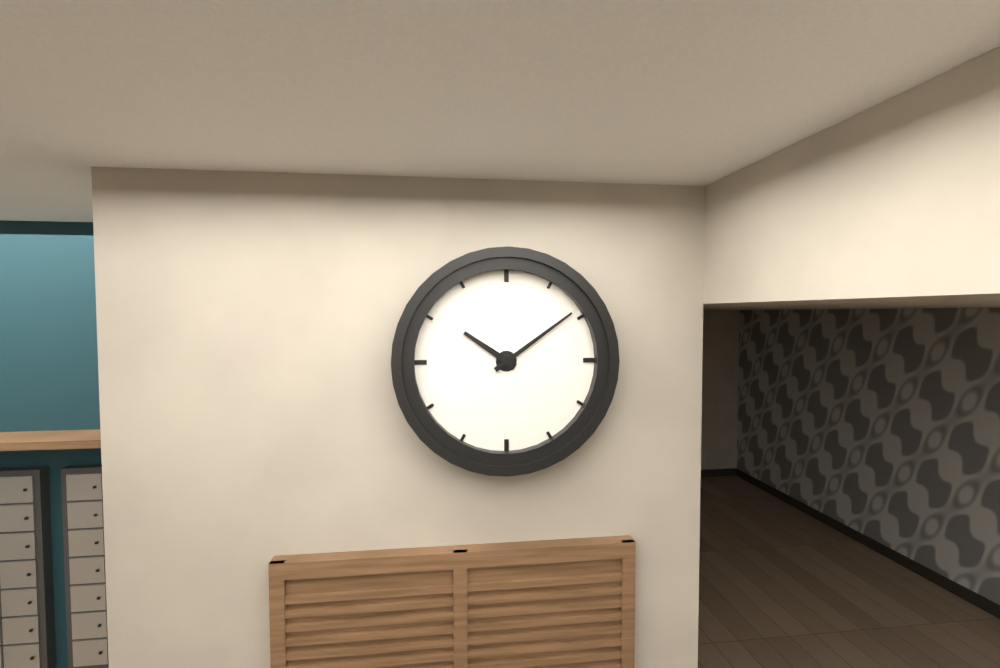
10.09
